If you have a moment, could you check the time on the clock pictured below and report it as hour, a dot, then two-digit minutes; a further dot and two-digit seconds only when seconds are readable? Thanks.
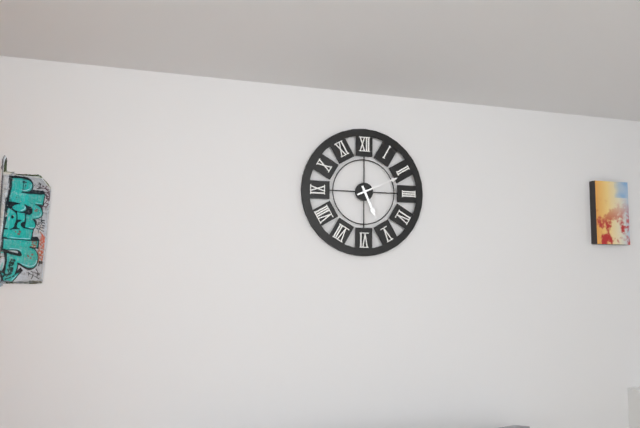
5.11
